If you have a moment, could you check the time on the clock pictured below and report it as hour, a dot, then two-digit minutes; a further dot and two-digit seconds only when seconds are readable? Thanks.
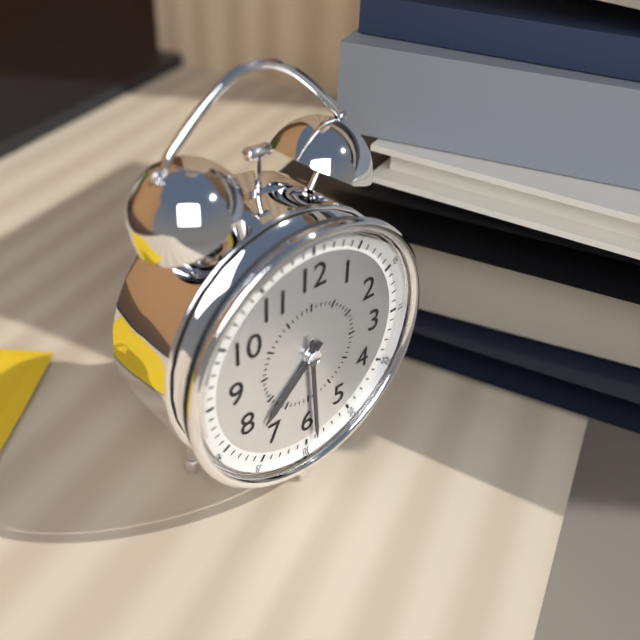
7.29
